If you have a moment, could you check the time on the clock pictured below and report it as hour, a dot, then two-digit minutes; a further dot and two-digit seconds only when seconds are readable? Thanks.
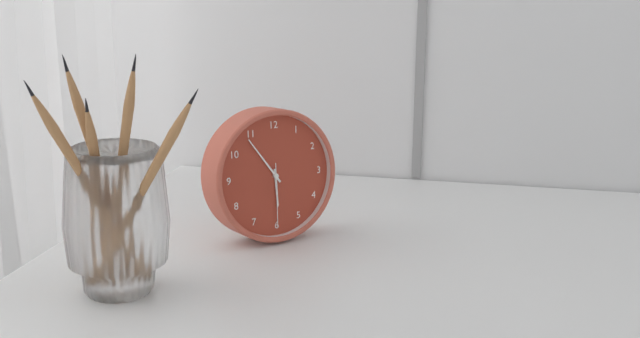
5.54.30
